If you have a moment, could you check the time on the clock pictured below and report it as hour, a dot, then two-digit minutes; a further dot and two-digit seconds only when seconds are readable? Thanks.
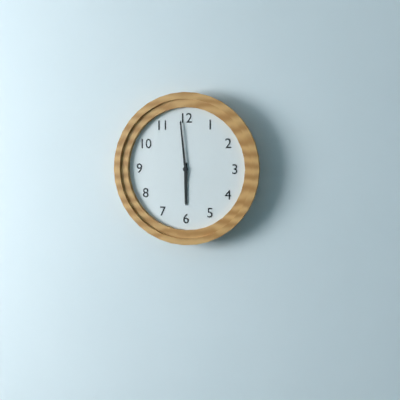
5.59
